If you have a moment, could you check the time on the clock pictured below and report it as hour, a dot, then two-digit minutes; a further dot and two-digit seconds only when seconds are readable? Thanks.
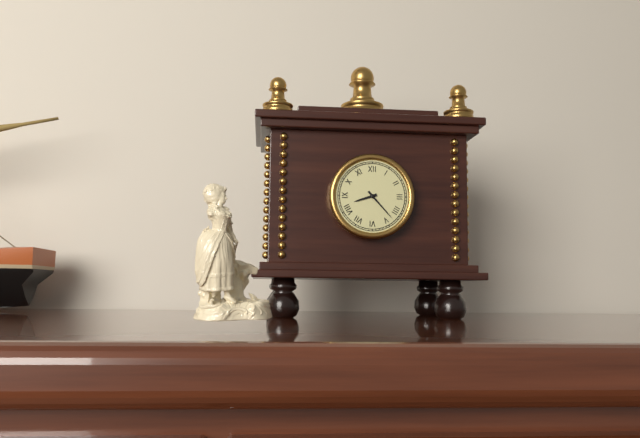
8.23
